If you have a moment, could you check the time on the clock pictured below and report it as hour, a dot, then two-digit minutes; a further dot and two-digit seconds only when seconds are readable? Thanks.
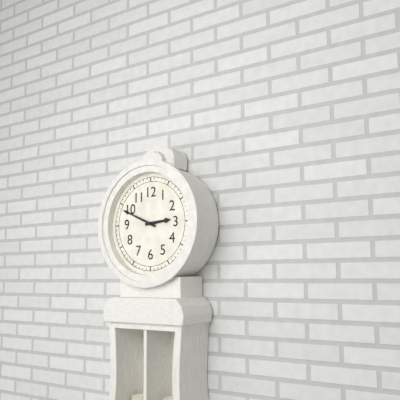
2.49
